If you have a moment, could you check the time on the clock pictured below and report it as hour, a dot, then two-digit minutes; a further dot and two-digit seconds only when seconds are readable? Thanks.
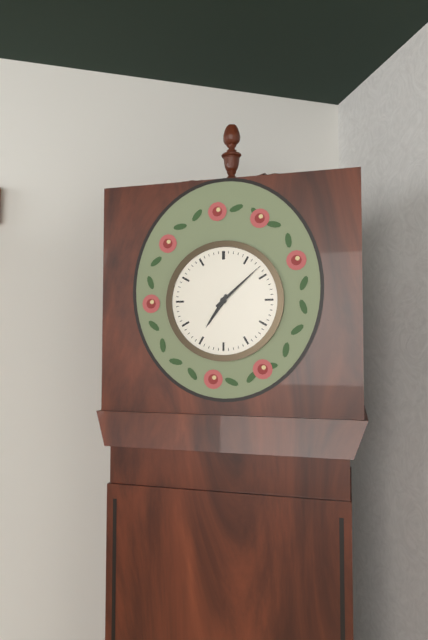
7.08
